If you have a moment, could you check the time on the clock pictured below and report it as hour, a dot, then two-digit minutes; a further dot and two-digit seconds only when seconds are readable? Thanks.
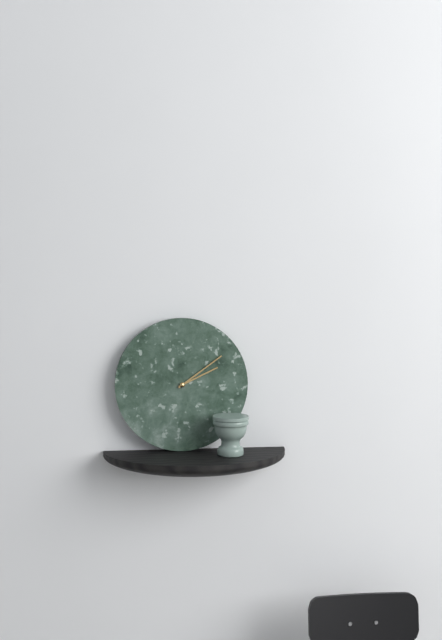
2.09
